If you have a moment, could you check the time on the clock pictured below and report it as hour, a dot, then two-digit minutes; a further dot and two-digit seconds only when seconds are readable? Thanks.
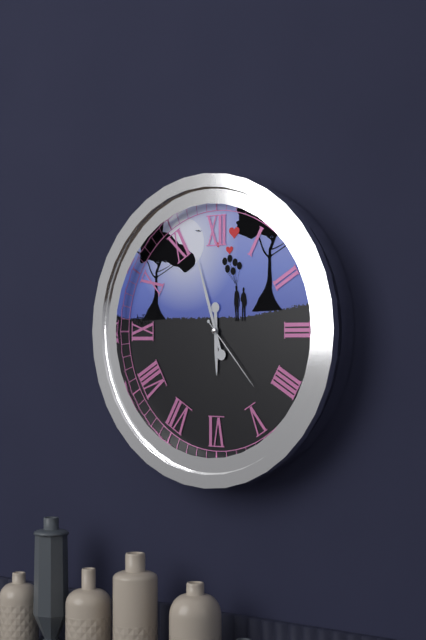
5.57.23
